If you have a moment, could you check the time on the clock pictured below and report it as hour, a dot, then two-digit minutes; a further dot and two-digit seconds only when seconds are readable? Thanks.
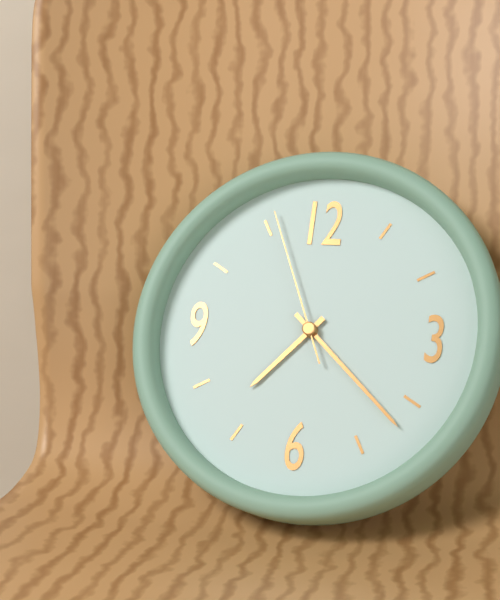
7.22.56
